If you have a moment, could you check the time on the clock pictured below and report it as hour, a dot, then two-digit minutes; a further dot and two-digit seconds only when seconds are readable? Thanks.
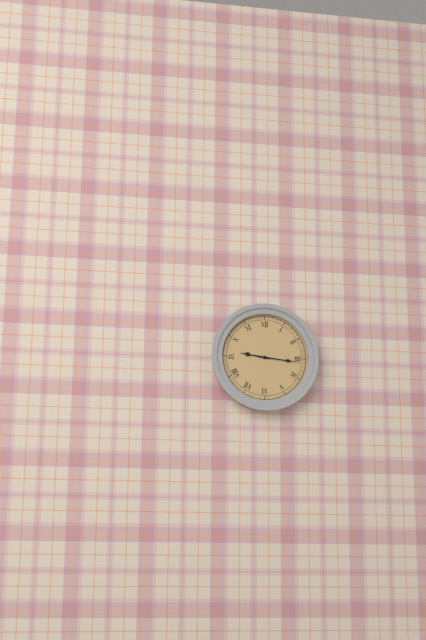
9.16
